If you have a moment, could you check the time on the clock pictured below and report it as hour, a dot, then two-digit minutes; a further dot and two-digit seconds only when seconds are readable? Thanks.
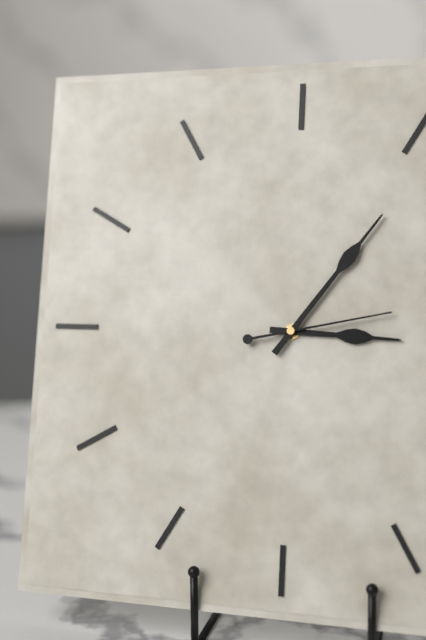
3.06.13
